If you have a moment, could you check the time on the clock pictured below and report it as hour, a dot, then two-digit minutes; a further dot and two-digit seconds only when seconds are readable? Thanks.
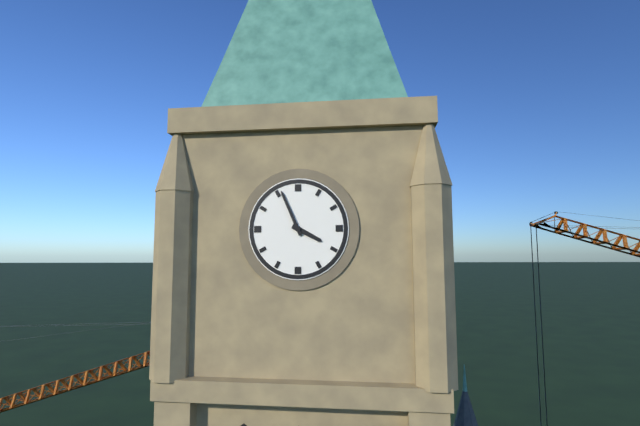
3.56
